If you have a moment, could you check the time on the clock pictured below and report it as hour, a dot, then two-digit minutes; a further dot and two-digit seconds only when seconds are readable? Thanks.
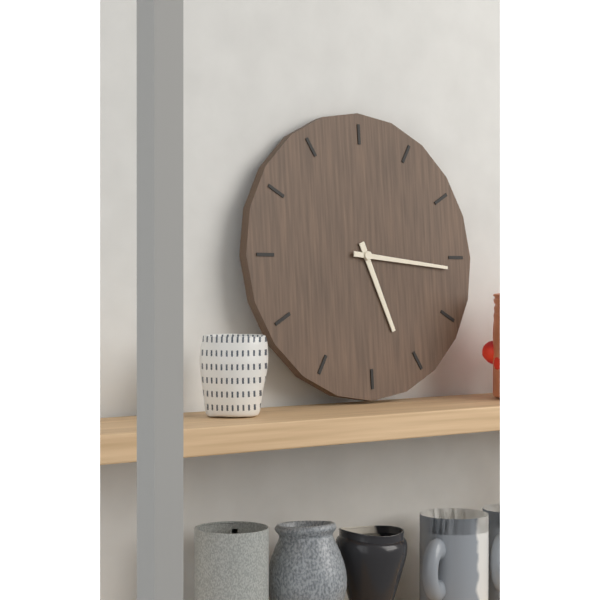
5.16
